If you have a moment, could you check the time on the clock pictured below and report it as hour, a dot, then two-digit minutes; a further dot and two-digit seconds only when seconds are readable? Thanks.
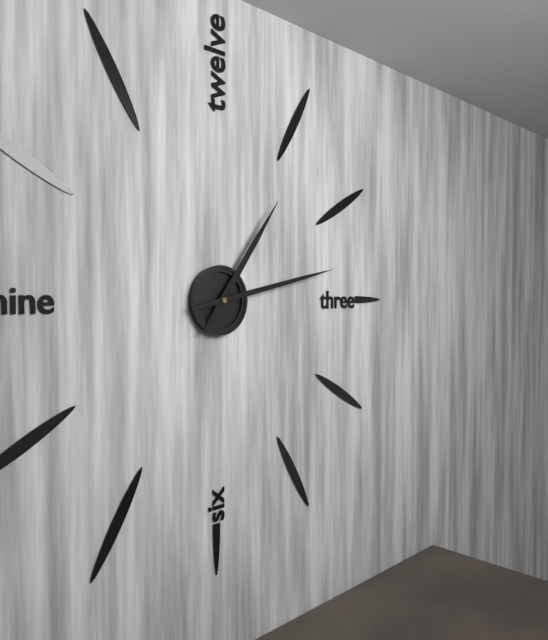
1.13
